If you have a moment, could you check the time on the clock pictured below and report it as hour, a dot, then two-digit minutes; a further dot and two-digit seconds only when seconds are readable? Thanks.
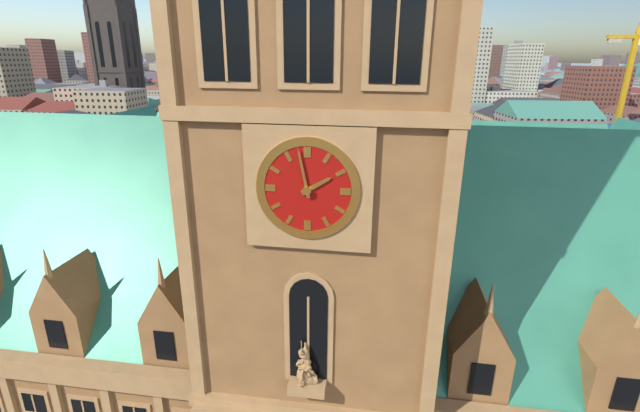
1.58
